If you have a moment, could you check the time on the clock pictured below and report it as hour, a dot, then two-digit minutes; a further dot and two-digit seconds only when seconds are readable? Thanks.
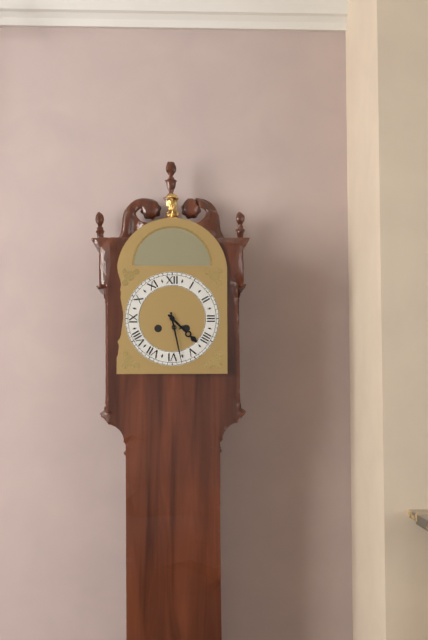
4.28
